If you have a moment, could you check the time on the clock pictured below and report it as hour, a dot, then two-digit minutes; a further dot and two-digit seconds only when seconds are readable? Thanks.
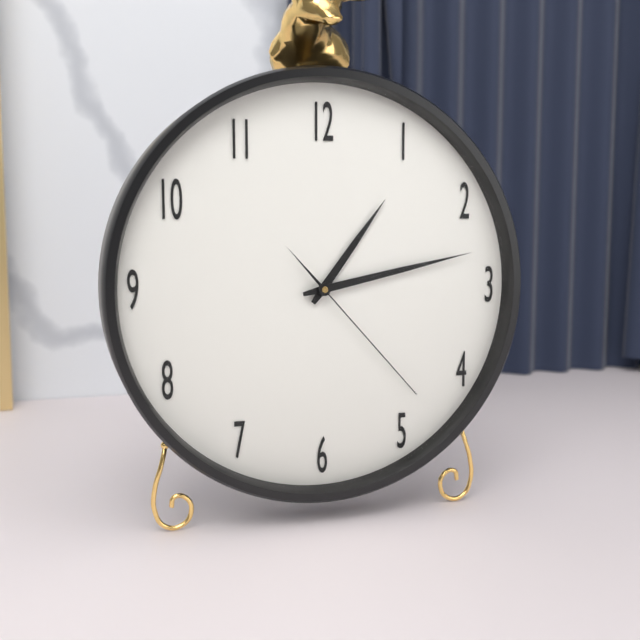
1.13.23
